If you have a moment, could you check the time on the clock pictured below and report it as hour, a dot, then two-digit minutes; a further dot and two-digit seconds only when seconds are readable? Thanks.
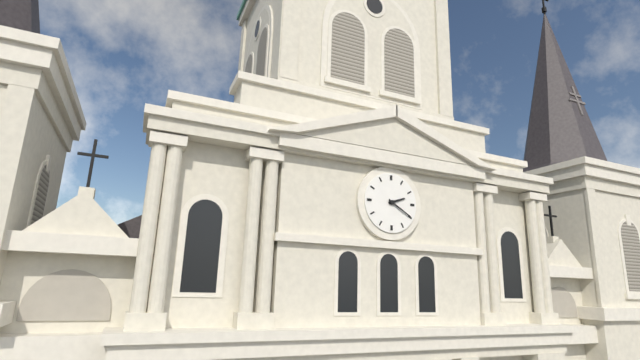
2.20
